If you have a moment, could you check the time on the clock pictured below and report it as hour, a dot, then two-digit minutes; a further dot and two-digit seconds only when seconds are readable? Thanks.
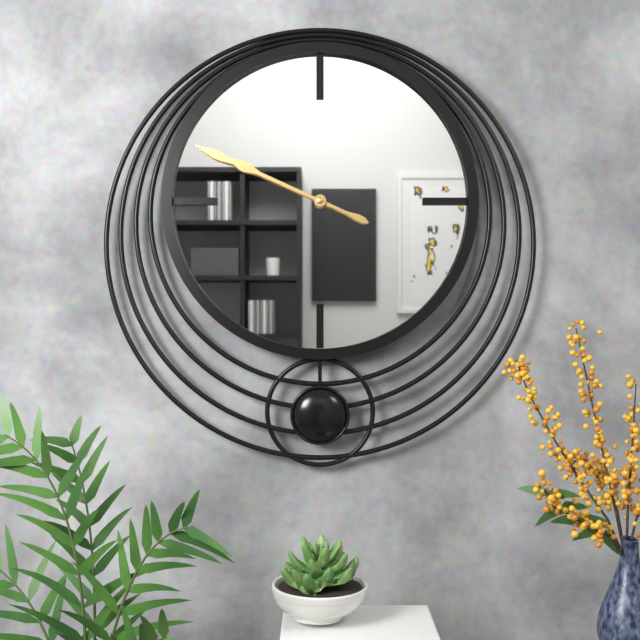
9.49
